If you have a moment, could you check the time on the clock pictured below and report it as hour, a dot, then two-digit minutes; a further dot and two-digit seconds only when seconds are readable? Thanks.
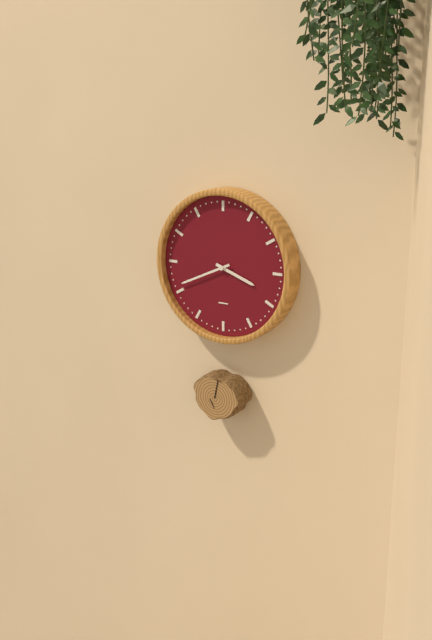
3.41
